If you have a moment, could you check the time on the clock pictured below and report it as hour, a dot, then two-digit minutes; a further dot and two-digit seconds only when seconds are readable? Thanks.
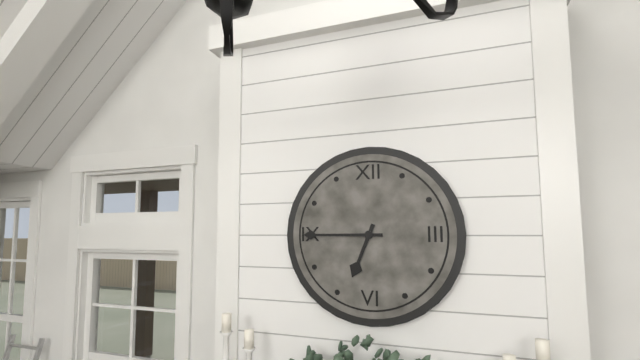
6.45
